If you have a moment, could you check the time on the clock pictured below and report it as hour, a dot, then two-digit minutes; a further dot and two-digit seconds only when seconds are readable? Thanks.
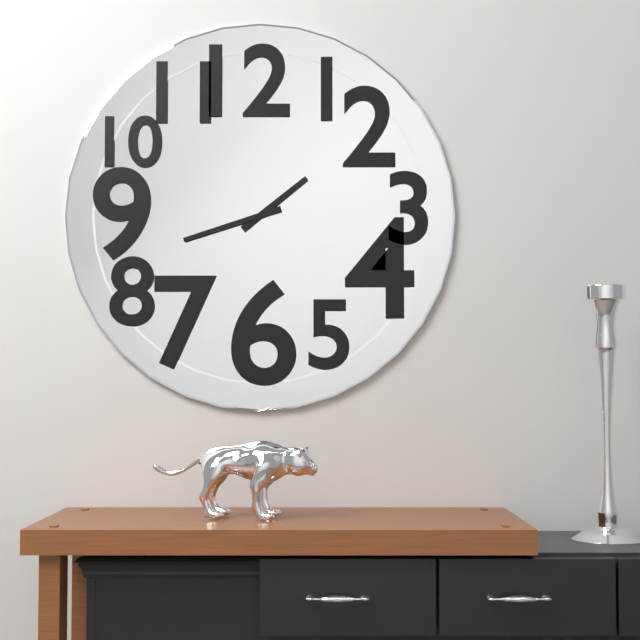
1.42
